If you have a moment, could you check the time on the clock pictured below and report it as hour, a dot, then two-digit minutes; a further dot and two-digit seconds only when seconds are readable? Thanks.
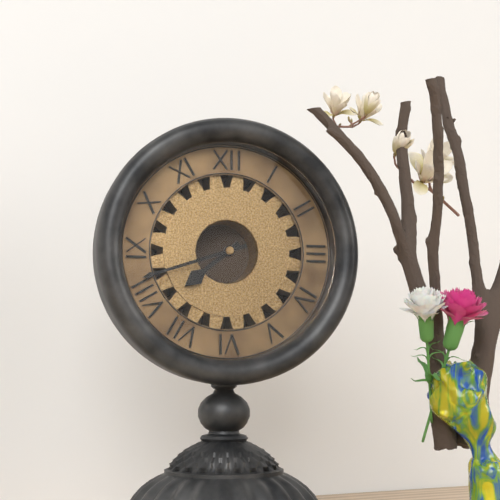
7.42
